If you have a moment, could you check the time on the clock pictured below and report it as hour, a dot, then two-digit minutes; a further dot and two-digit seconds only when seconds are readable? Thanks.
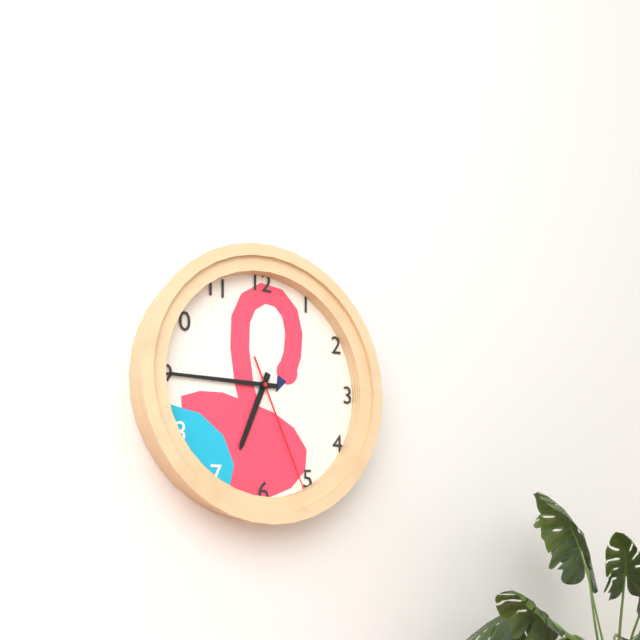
6.45.26
